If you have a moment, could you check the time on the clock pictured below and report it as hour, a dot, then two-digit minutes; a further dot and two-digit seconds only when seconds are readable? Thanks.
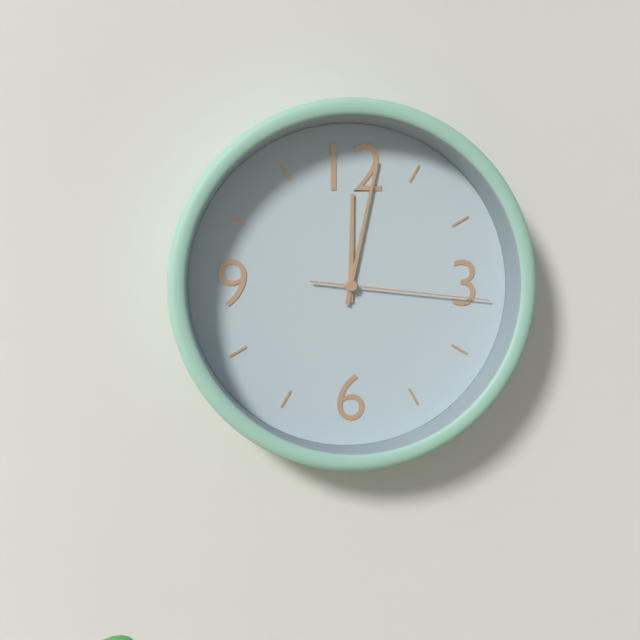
12.02.16
